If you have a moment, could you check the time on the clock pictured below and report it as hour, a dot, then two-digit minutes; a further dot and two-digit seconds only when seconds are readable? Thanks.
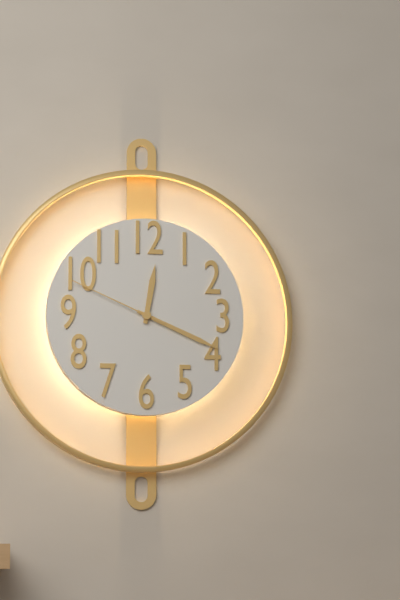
12.19.49
